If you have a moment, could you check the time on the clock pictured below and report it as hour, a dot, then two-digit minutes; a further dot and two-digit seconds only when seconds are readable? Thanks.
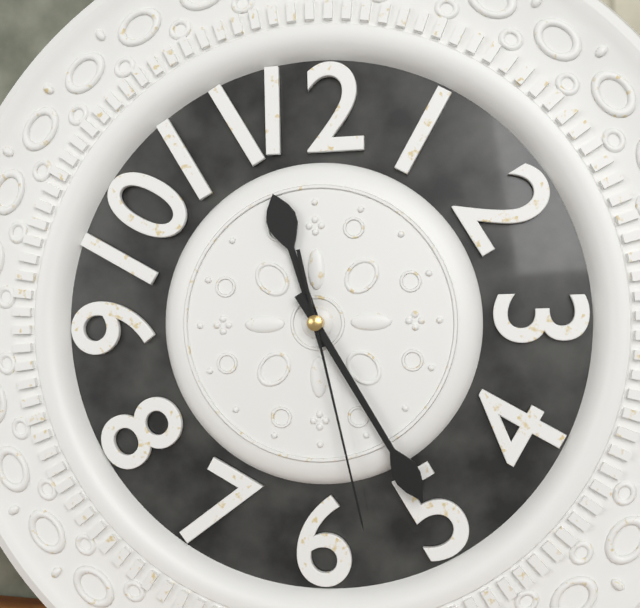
11.25.28
